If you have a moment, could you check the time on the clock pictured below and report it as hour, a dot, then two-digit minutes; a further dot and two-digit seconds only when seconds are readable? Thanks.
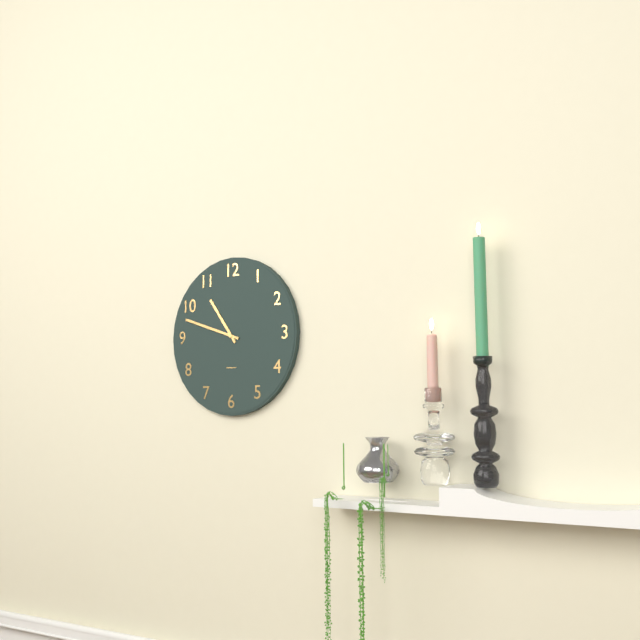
10.48
